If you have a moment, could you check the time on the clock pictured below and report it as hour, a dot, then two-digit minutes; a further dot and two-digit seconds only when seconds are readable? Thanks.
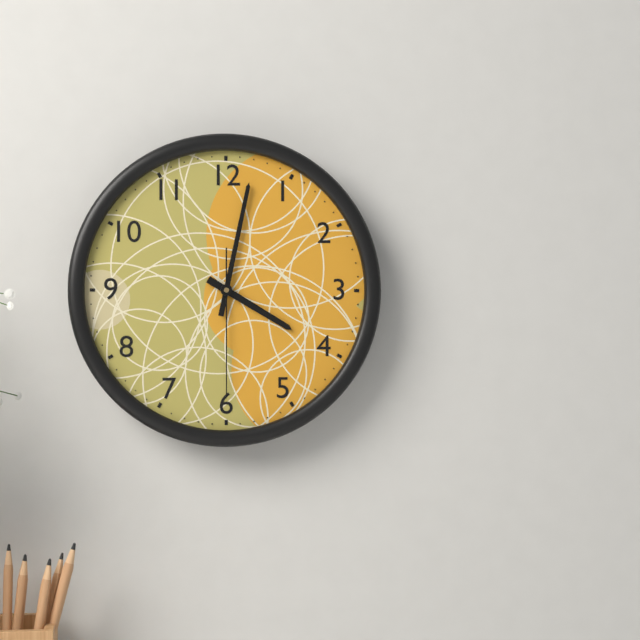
4.02.30
